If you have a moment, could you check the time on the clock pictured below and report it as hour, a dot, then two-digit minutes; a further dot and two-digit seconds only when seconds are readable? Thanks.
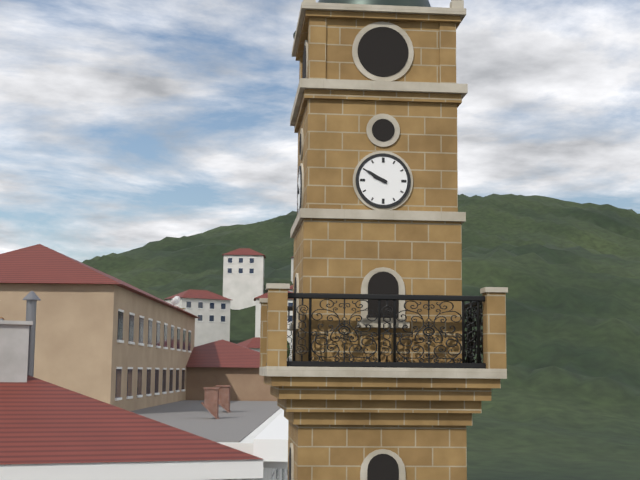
9.50
